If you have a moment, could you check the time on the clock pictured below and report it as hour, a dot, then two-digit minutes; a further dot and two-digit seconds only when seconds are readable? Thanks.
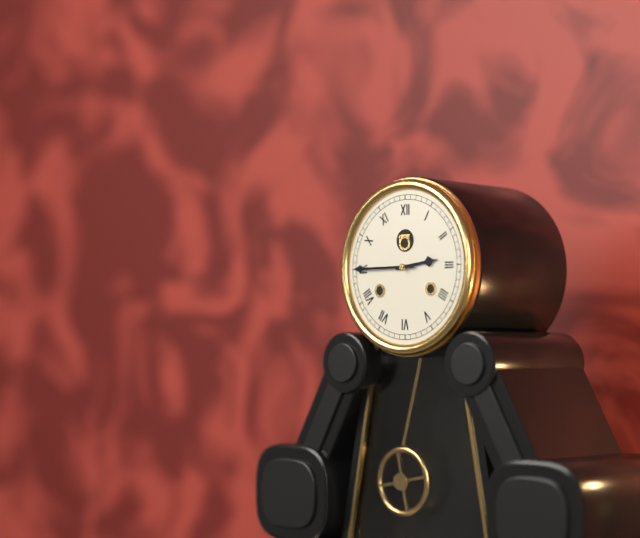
2.45
